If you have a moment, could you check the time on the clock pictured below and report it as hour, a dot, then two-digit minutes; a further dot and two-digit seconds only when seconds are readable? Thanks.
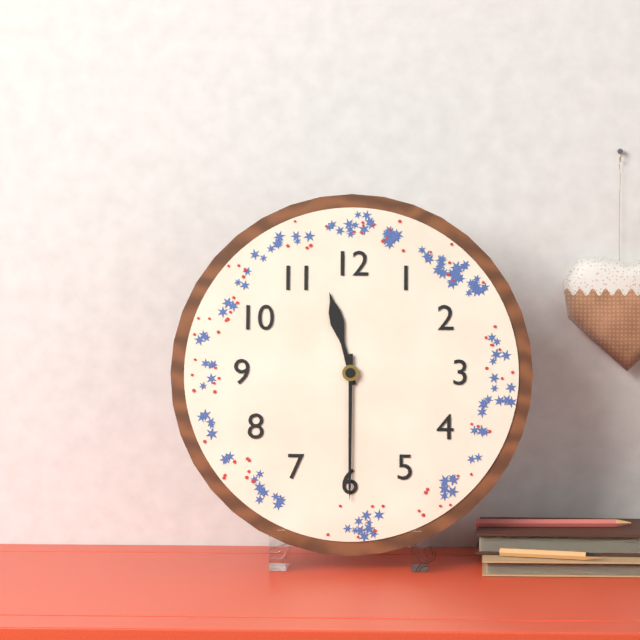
11.30
